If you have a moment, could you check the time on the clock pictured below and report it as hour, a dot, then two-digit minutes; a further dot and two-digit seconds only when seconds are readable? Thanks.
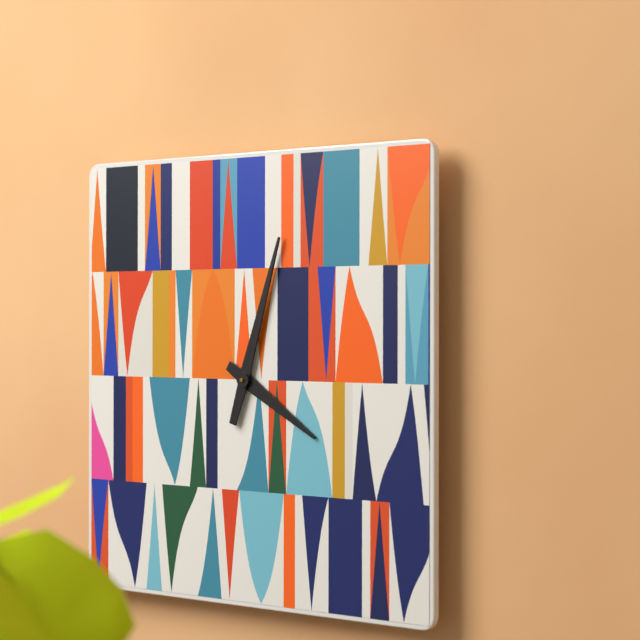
4.03
